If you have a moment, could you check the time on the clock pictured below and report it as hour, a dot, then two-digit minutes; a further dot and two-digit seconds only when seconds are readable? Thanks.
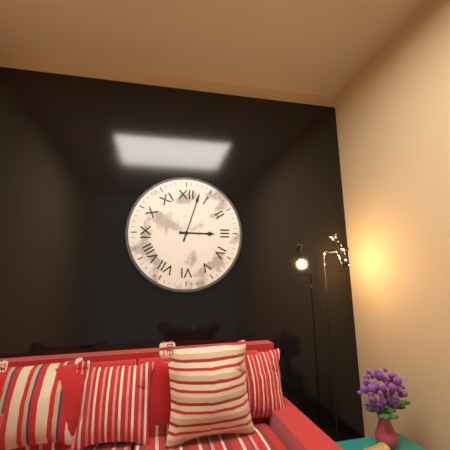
3.03
